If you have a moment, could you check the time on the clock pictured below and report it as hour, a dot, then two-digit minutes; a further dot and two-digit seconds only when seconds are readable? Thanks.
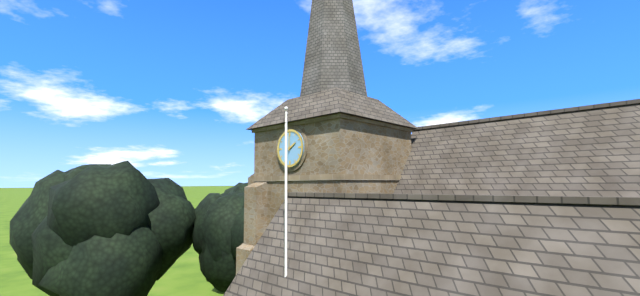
2.00
